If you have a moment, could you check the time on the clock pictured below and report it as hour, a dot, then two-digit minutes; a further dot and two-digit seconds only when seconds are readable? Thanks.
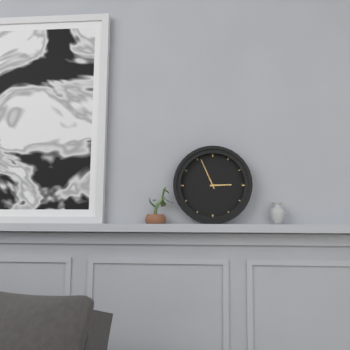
2.56
